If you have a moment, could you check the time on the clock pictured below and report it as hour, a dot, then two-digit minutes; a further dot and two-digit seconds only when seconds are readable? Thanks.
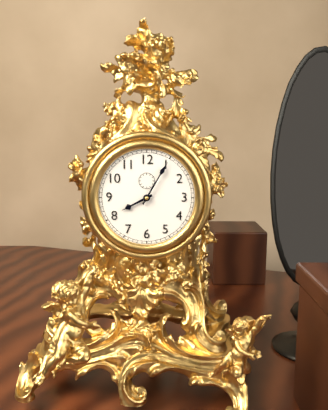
8.05
